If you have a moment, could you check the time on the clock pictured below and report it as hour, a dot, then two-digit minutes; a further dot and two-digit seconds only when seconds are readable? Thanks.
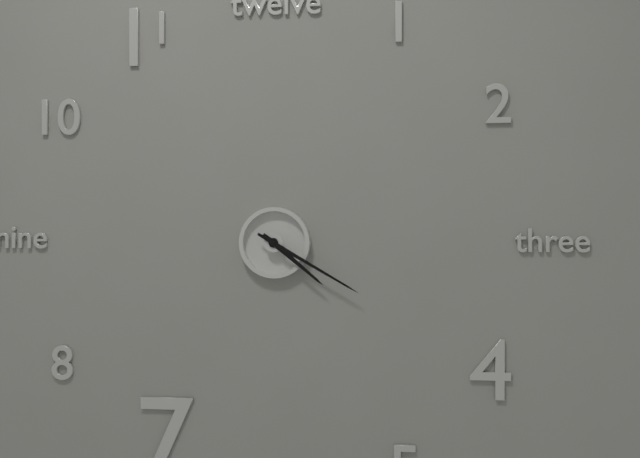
4.20
